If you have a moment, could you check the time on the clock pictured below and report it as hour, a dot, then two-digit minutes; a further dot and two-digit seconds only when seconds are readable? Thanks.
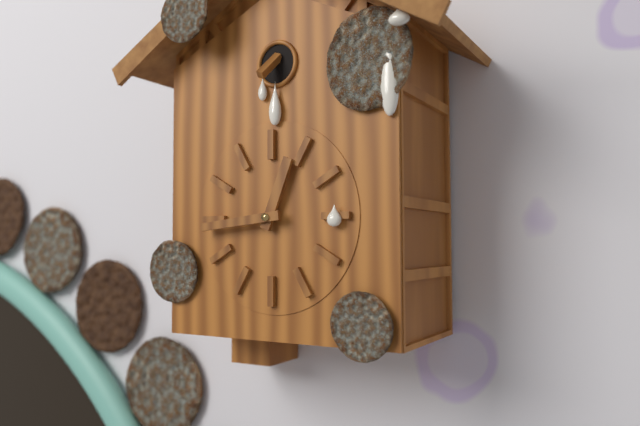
12.44
